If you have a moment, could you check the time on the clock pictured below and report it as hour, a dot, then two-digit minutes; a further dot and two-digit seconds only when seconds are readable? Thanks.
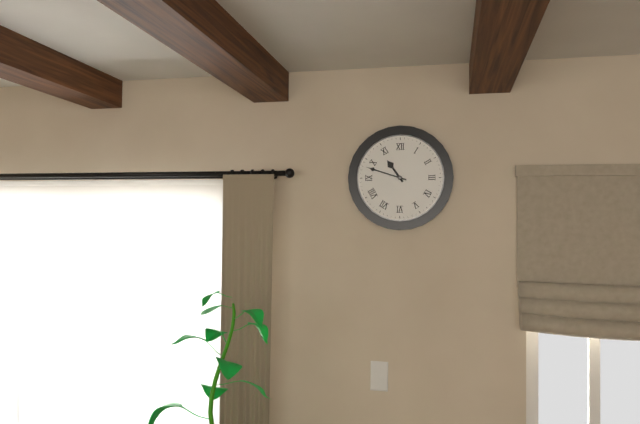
10.48
